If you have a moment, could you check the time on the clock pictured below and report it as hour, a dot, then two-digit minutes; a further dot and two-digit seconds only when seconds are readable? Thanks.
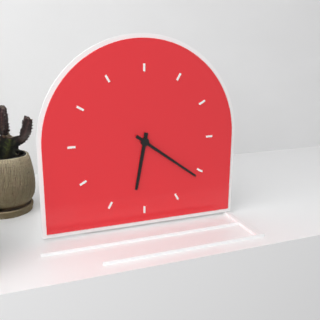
6.21
